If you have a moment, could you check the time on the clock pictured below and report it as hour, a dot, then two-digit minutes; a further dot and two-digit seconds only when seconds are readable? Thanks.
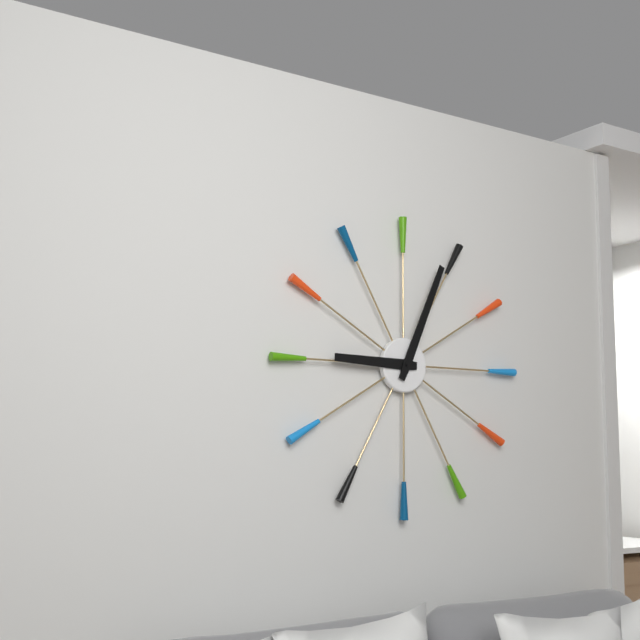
9.04
